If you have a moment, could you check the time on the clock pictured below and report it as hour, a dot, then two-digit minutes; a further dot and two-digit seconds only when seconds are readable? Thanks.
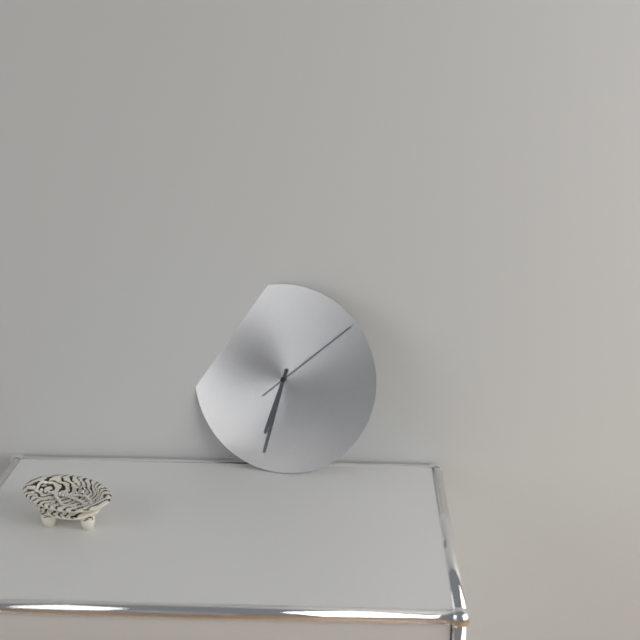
6.32.08
